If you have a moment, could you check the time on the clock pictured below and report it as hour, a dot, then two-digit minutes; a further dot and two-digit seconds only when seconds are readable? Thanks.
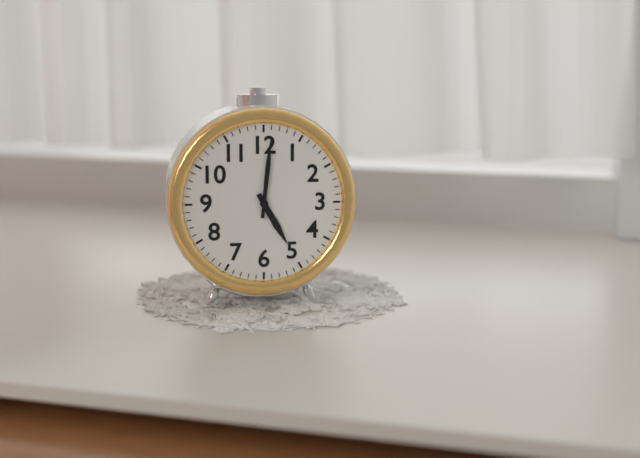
5.01
